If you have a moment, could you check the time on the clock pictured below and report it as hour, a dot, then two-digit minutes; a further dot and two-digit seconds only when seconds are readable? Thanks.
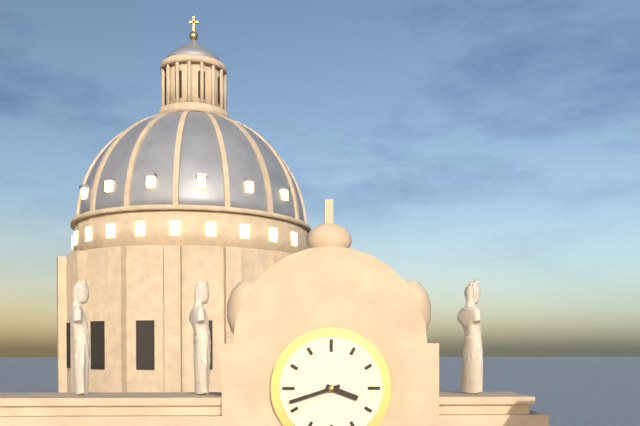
3.42
